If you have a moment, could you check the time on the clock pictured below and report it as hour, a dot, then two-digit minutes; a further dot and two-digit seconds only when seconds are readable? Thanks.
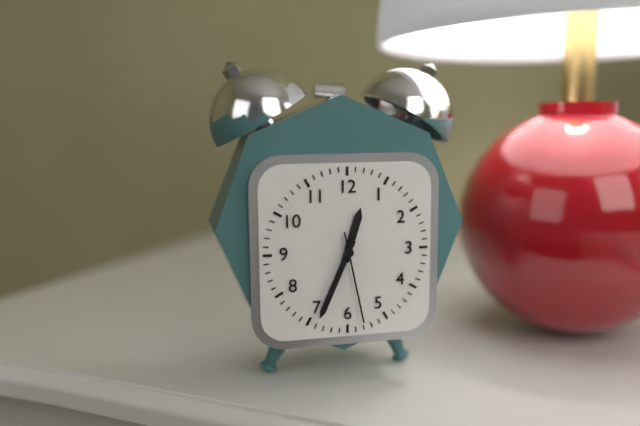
12.34.28
